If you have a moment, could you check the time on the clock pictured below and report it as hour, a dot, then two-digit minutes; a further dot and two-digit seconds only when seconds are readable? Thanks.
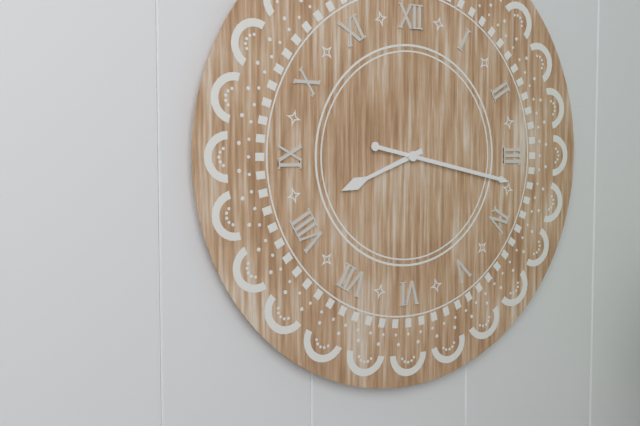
8.17
